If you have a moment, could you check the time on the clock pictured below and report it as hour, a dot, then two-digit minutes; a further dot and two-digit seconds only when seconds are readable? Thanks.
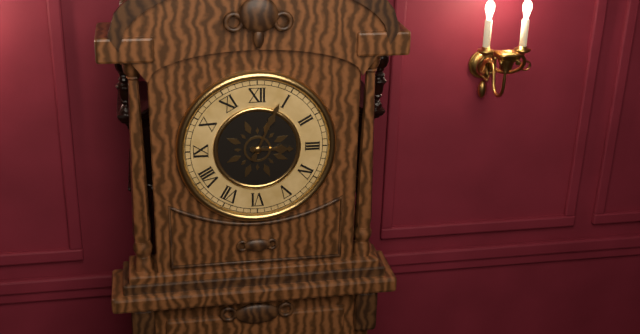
3.04
